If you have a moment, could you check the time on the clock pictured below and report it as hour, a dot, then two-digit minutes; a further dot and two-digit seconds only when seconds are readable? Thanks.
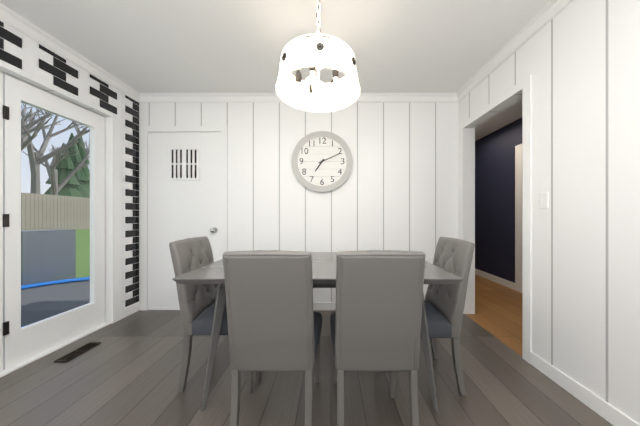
7.11
